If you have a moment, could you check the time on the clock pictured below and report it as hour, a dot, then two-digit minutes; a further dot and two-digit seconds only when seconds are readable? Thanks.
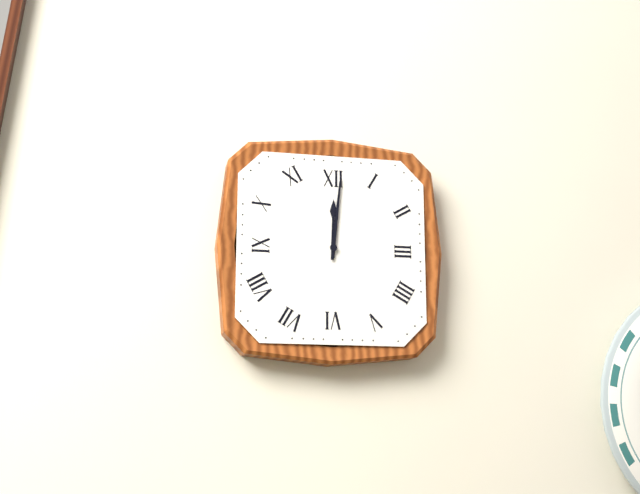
12.01
